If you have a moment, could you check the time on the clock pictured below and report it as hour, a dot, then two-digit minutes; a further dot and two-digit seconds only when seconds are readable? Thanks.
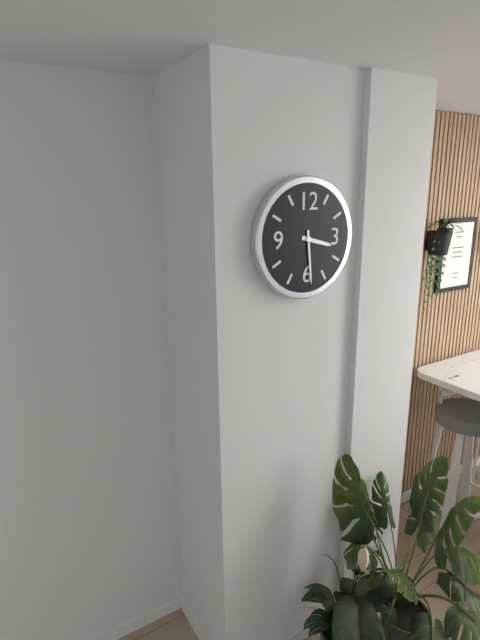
3.29
